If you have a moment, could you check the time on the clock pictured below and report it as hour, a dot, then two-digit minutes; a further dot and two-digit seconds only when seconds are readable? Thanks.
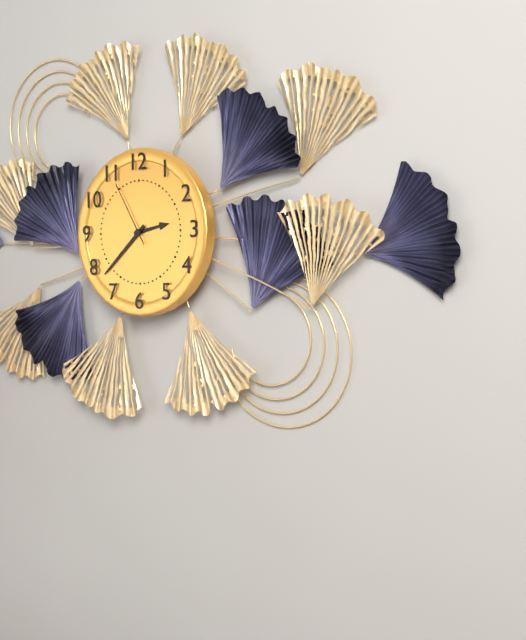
2.38.55
